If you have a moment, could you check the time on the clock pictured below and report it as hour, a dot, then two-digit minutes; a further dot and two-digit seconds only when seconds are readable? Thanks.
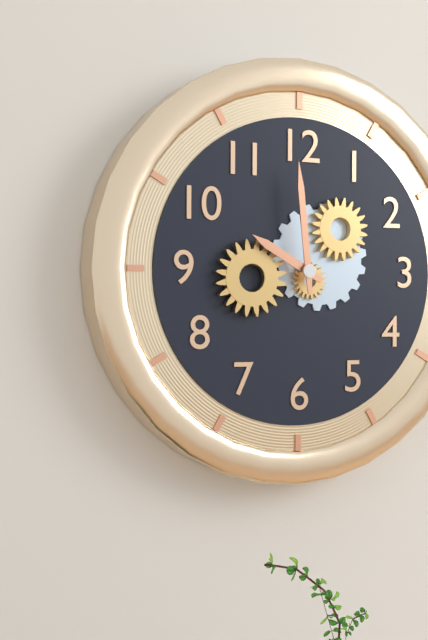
9.59
